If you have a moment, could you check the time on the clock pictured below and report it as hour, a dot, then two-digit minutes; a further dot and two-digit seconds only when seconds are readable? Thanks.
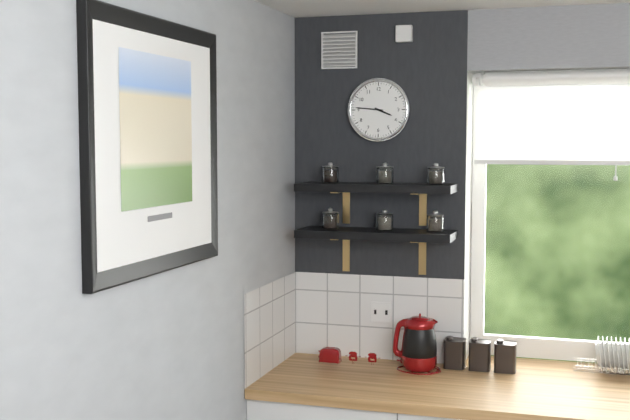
3.46
